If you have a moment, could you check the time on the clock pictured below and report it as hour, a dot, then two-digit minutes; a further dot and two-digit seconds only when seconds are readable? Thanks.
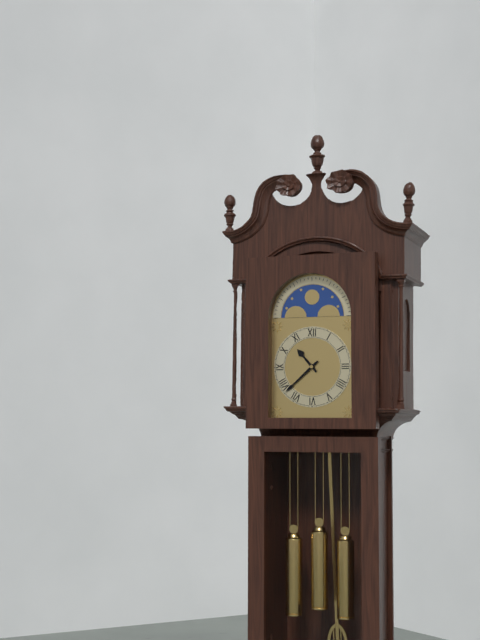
10.38
